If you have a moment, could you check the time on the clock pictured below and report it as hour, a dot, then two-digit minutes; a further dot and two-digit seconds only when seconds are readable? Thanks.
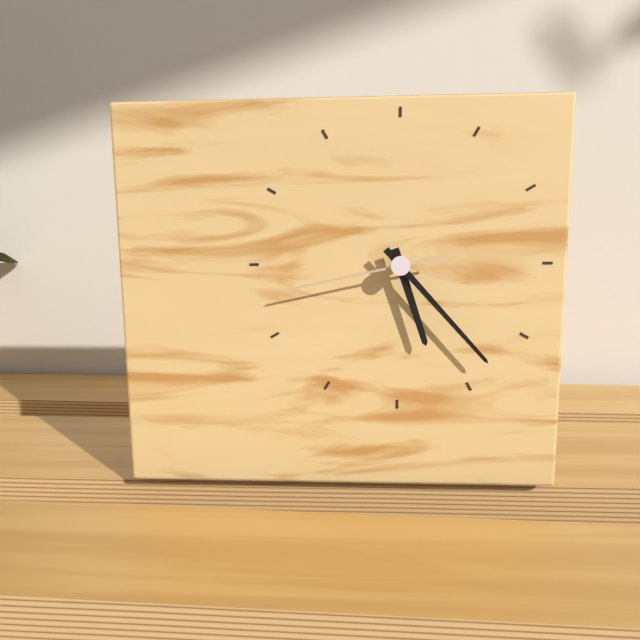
5.23.43
